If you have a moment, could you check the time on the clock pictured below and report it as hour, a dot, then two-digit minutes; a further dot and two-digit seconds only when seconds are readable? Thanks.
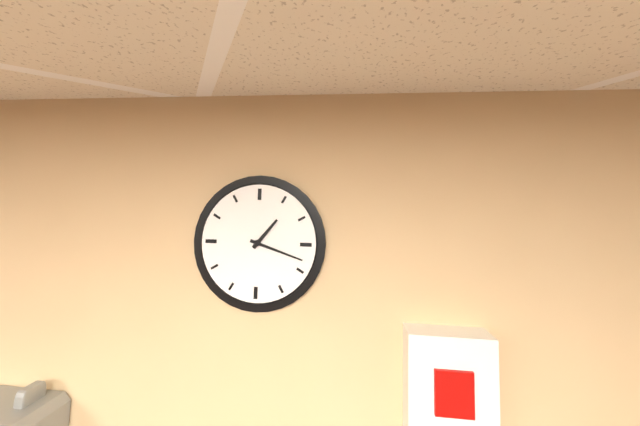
1.18
